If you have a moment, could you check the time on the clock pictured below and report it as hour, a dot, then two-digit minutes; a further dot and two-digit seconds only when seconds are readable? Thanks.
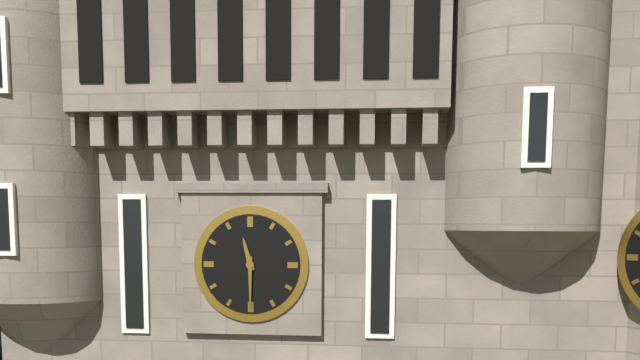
11.30
